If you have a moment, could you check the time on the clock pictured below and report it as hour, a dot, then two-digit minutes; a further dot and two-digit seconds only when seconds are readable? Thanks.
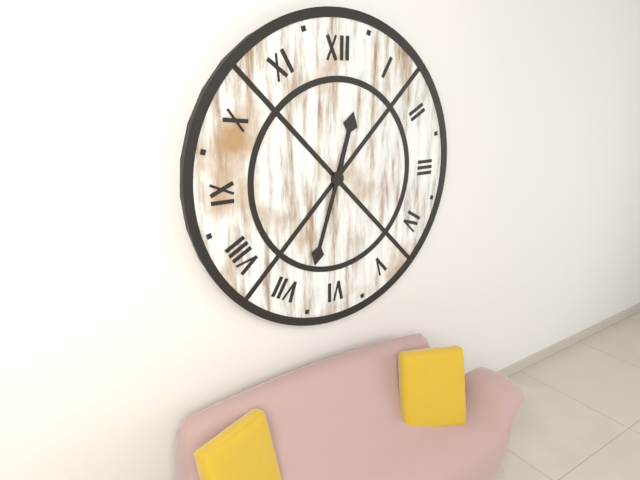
12.33
